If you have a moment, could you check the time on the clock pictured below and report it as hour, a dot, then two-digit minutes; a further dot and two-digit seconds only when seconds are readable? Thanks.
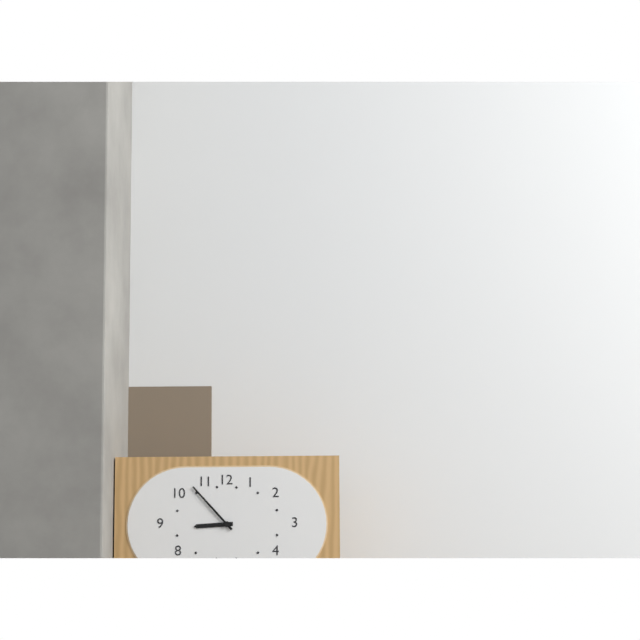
8.53
